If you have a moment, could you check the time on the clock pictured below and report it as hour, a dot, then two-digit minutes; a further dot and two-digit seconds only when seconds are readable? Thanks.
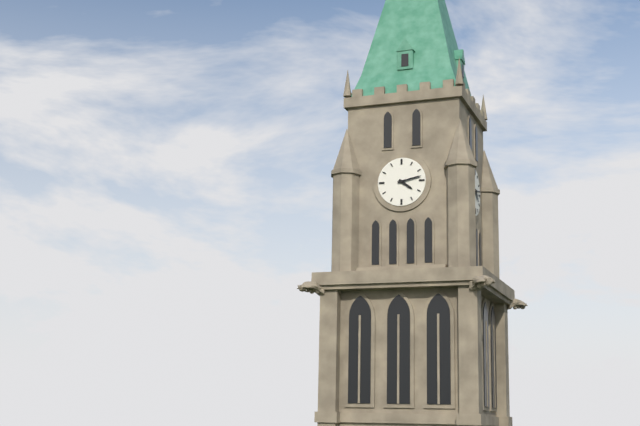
4.13
